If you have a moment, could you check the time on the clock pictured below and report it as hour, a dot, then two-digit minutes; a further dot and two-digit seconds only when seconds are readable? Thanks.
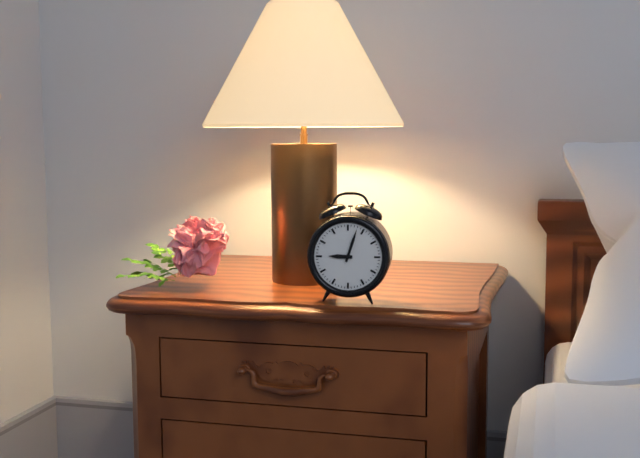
9.03
